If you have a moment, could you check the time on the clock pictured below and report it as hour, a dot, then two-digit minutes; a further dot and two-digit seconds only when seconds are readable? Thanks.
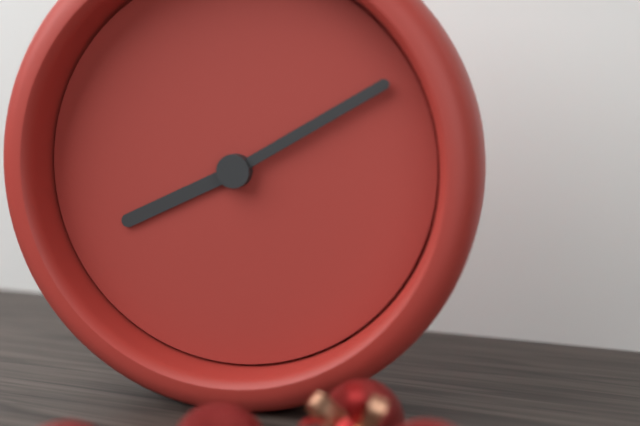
8.10
